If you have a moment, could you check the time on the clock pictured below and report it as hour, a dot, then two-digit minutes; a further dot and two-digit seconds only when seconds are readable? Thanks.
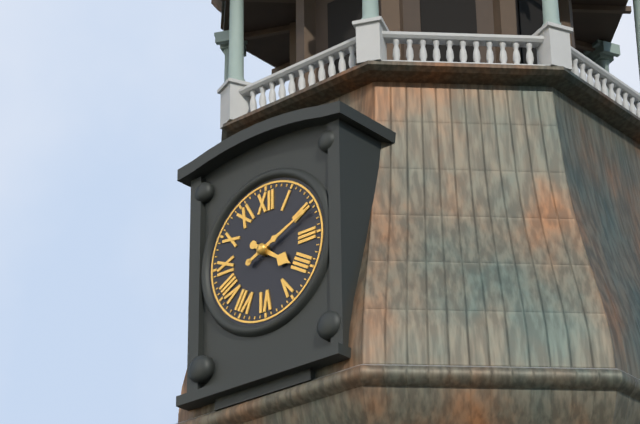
4.11
